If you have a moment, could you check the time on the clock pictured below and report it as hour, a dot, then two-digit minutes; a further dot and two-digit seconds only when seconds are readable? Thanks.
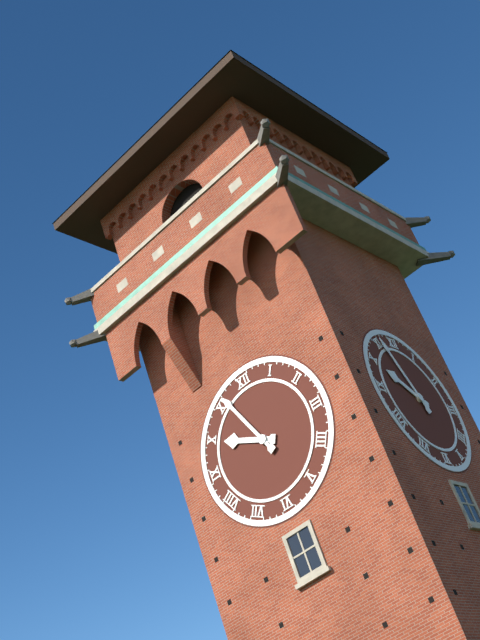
9.56
